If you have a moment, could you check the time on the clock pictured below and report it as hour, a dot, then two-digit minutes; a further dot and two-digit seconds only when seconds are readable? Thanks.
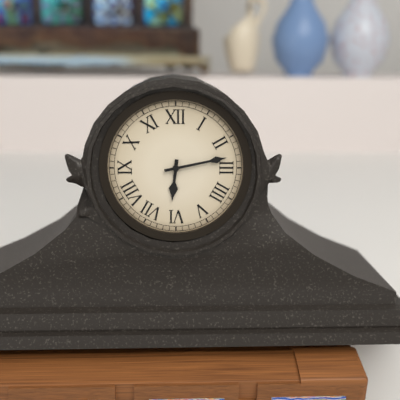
6.13
